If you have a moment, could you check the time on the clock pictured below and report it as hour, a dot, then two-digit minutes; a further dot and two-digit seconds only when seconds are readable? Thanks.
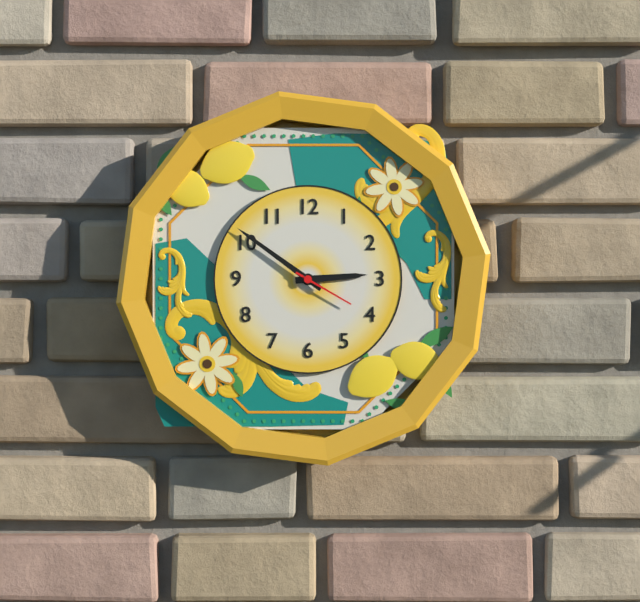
2.51.20
